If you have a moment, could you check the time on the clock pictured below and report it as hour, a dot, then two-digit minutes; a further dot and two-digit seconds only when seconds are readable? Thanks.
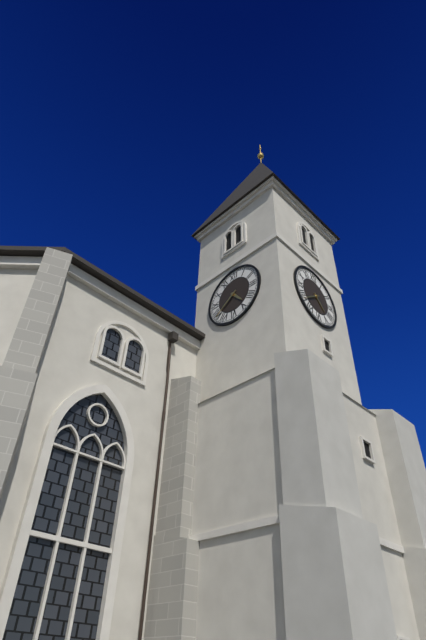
4.39
